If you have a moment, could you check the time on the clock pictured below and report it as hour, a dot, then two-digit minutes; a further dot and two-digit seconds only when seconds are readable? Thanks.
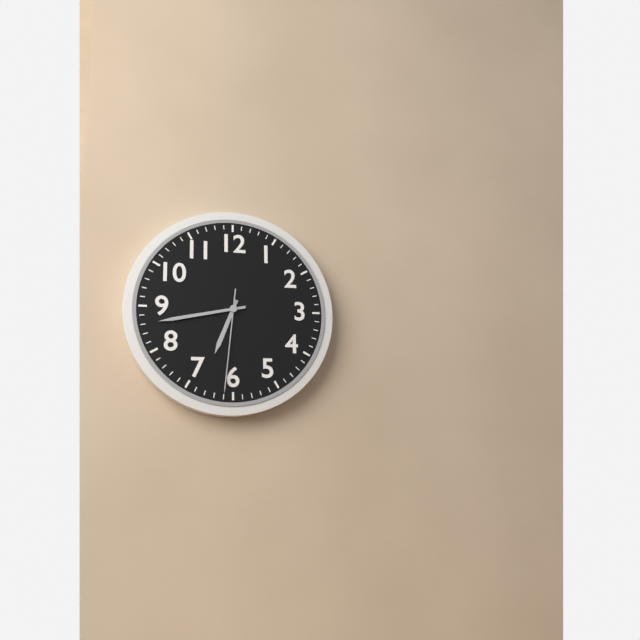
6.43.31
